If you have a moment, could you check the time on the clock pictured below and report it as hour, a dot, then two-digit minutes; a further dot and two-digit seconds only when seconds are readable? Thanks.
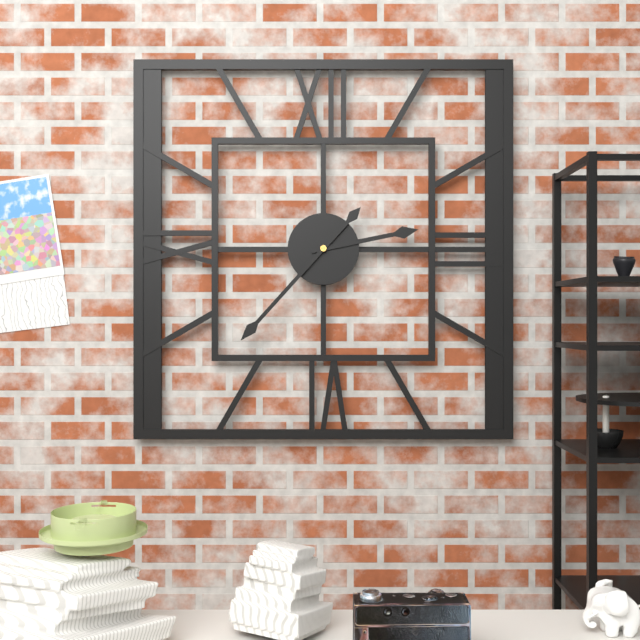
2.37
